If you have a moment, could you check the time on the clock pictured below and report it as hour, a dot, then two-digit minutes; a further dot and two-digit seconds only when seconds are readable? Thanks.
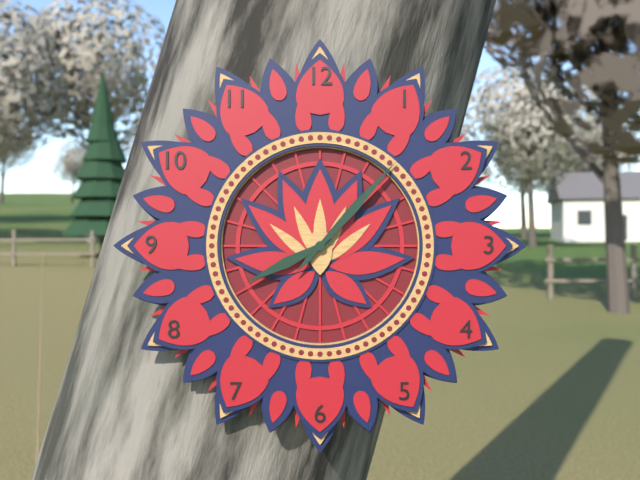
8.07
